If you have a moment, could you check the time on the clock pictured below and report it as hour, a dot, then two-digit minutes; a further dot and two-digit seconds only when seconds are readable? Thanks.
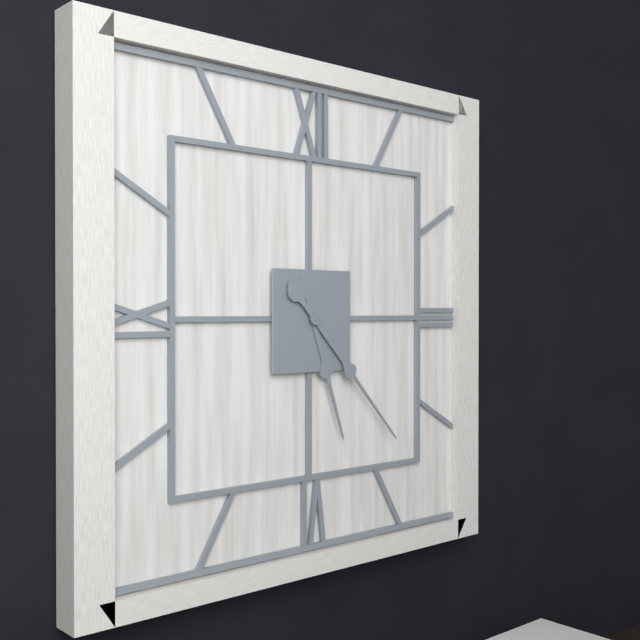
5.23
